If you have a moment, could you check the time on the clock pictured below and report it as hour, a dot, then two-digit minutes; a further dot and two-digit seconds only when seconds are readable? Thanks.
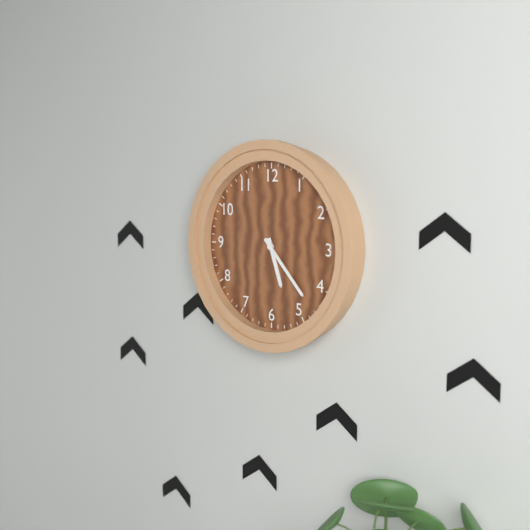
5.23
